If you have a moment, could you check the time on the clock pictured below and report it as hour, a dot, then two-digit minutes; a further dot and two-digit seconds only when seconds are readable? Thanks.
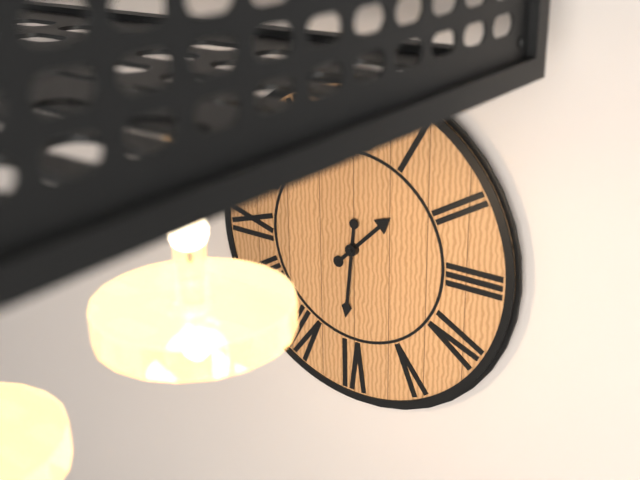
1.31
